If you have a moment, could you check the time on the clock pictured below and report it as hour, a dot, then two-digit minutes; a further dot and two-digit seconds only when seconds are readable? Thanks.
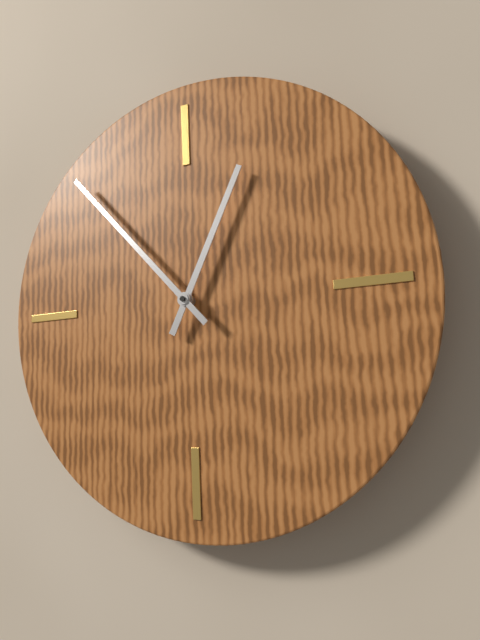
12.53
